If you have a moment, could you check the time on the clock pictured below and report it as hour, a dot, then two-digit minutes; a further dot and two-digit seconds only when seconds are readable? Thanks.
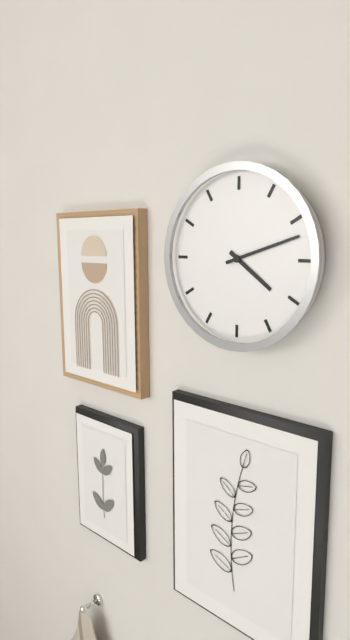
4.12
